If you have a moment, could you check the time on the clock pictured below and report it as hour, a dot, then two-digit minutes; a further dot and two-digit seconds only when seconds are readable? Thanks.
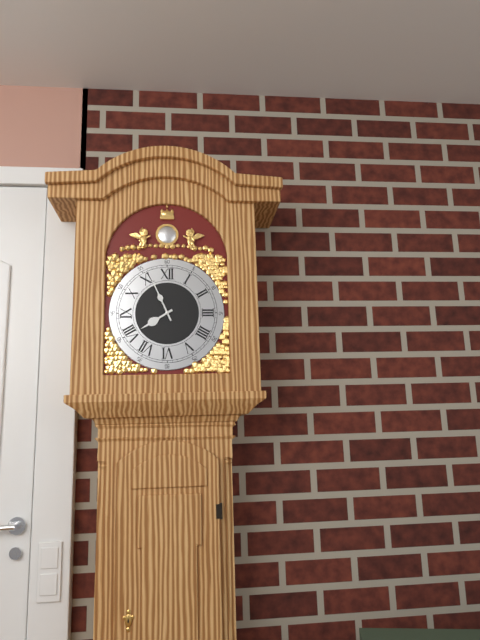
7.56
